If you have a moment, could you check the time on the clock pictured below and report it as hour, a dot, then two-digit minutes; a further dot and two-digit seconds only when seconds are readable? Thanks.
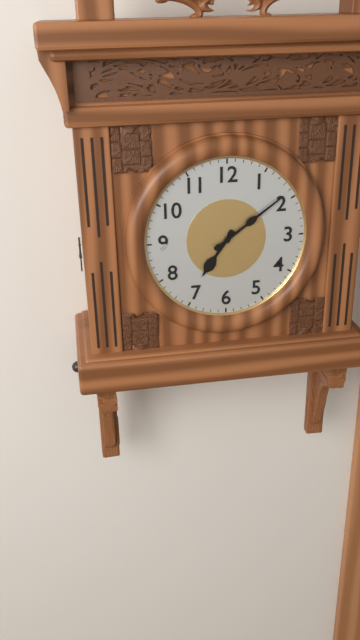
7.09
